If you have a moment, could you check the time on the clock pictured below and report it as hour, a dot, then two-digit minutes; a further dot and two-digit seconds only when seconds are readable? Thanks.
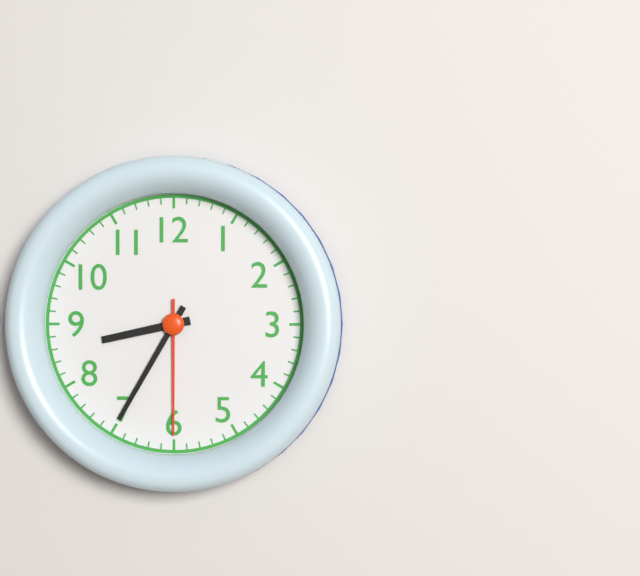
8.35.30
